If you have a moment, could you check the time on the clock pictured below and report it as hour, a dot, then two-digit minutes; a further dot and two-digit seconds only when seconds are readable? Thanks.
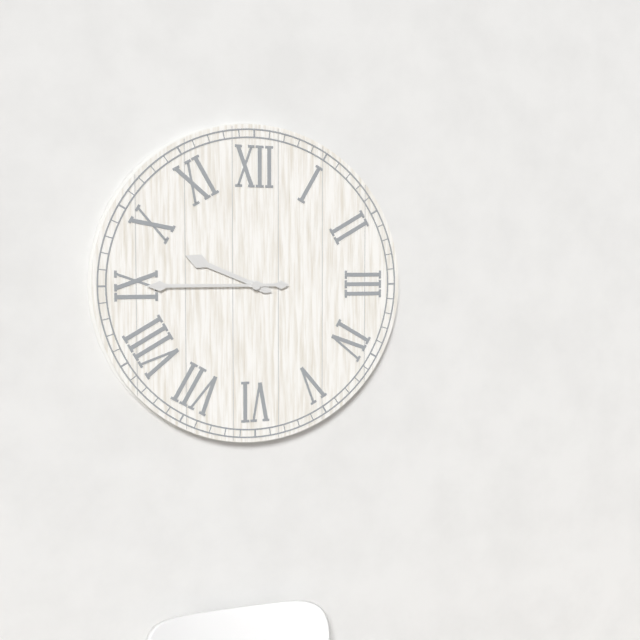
9.45
